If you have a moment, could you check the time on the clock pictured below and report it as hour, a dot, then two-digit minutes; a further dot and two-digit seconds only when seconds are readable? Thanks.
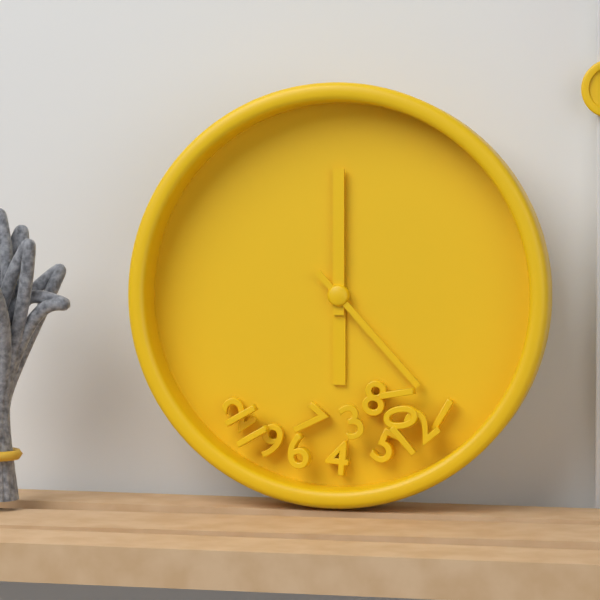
6.00.23
